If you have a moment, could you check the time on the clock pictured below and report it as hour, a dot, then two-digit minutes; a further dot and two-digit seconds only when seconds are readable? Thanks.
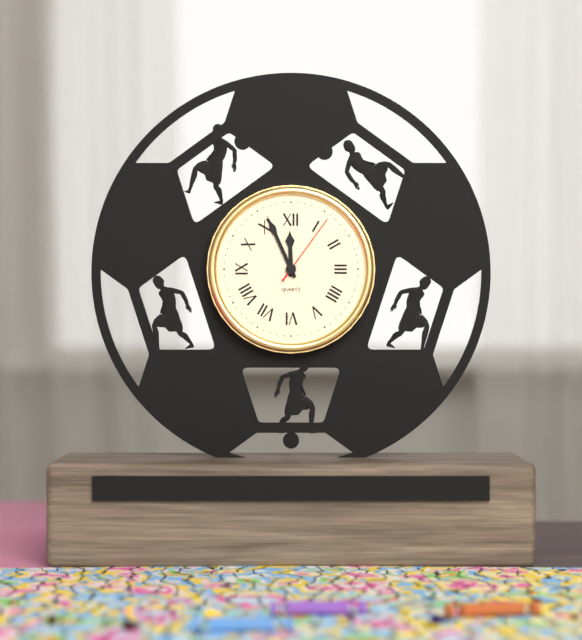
11.56.06
